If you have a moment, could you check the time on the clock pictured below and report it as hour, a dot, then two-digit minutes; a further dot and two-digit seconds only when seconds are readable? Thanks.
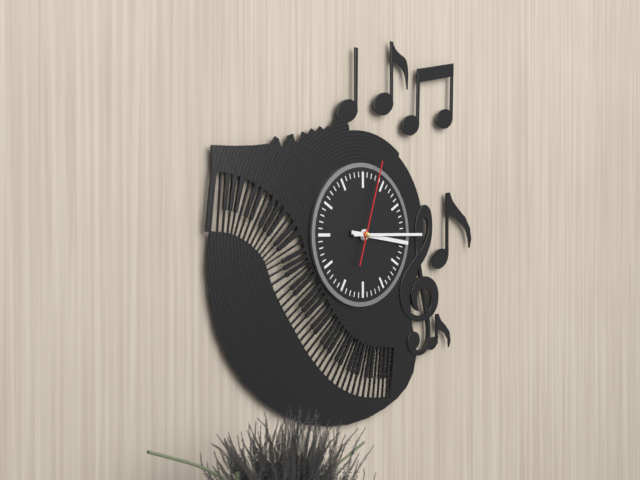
3.15.03
